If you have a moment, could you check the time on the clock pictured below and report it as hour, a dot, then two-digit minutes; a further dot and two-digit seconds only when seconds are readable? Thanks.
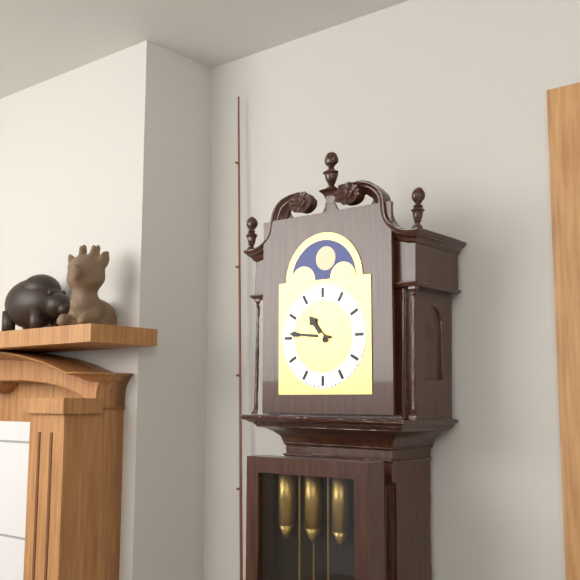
10.46
